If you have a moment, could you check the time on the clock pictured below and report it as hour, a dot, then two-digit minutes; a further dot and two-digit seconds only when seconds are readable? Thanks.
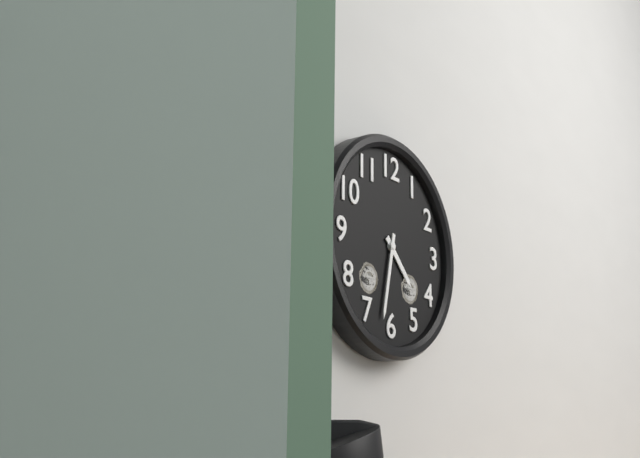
4.32
